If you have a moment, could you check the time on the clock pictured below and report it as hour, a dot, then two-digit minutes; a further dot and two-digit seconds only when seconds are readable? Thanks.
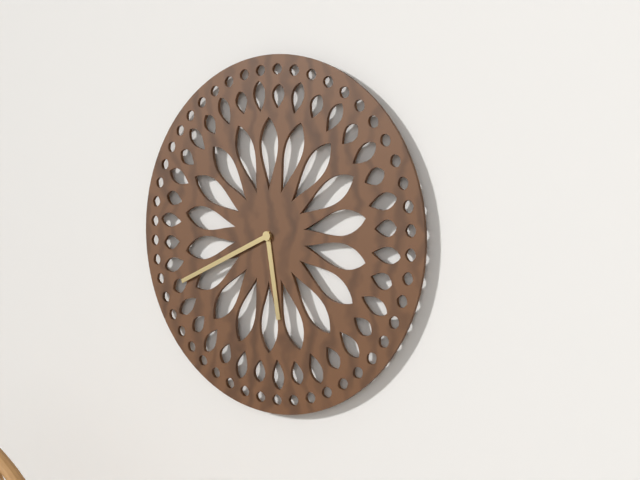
5.41
